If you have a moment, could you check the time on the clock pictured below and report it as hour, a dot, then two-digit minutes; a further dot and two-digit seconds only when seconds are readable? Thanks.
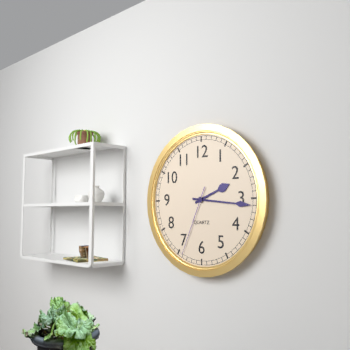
2.16.34
